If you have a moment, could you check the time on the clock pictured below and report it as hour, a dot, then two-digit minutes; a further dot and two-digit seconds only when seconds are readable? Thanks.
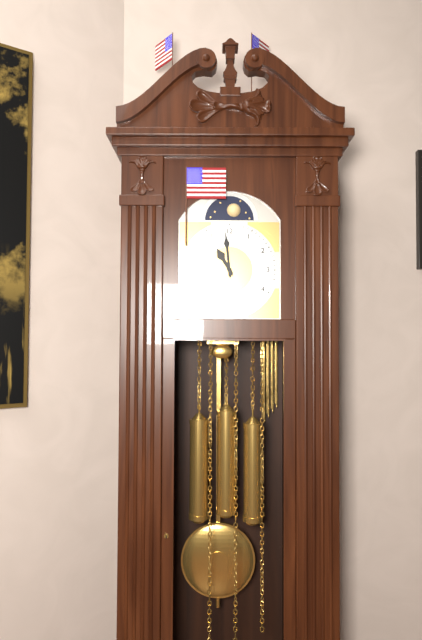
10.59
